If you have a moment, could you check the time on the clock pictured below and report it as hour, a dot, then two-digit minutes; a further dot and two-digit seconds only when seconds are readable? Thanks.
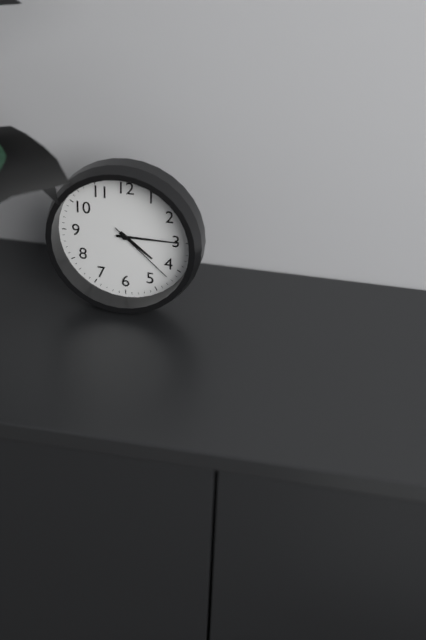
4.15.22
